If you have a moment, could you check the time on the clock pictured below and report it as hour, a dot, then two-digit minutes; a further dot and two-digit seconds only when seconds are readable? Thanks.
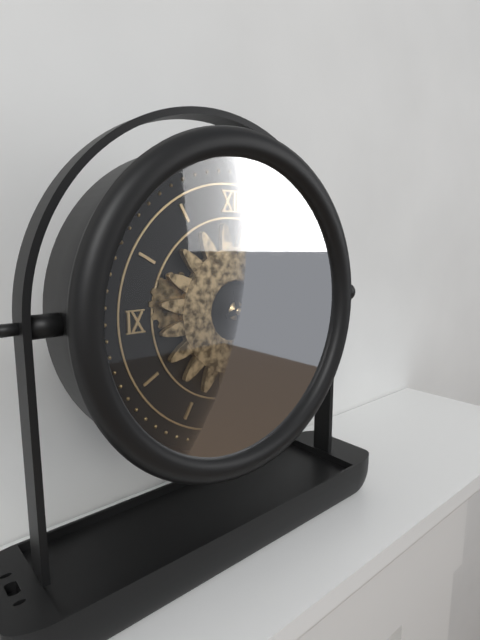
2.28
